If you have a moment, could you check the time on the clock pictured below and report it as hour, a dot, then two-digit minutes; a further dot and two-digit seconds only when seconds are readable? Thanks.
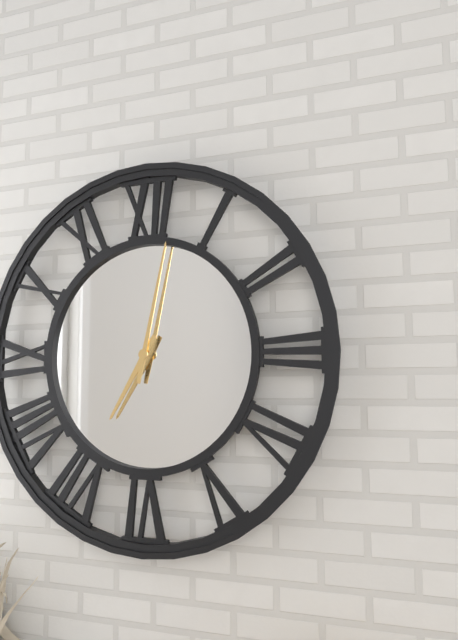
7.02
